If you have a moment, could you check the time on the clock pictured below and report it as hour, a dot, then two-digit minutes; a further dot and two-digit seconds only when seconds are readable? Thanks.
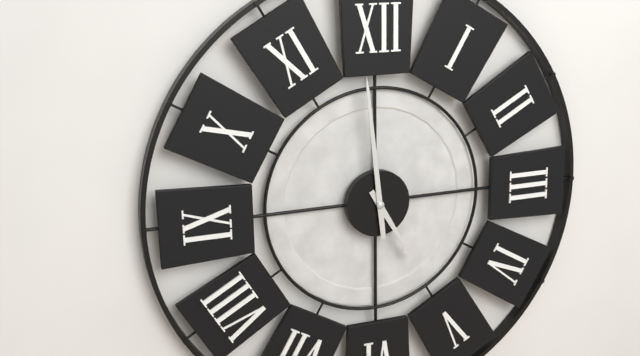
4.59
